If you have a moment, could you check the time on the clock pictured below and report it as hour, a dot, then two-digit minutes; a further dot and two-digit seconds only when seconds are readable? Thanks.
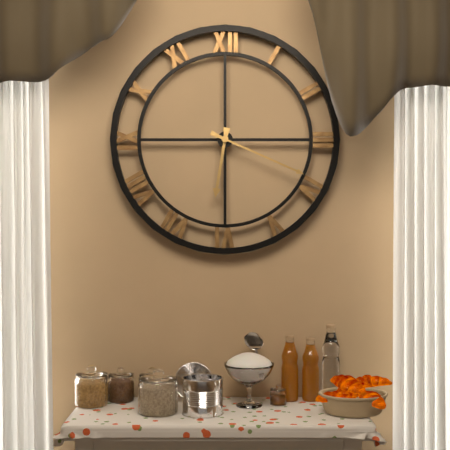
6.19
